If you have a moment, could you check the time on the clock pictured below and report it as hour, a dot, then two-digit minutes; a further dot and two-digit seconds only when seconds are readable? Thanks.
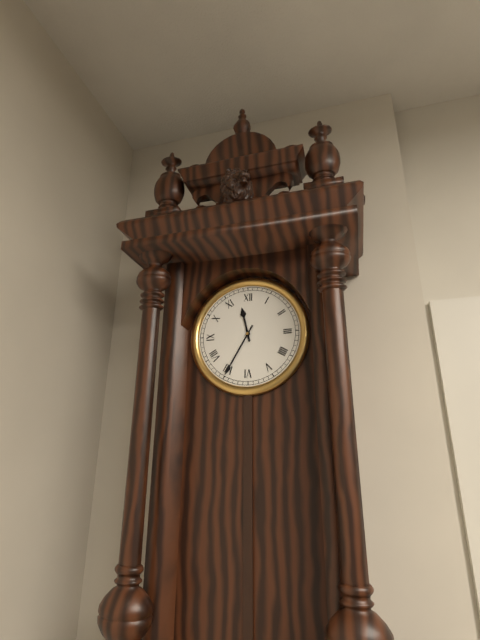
11.35
